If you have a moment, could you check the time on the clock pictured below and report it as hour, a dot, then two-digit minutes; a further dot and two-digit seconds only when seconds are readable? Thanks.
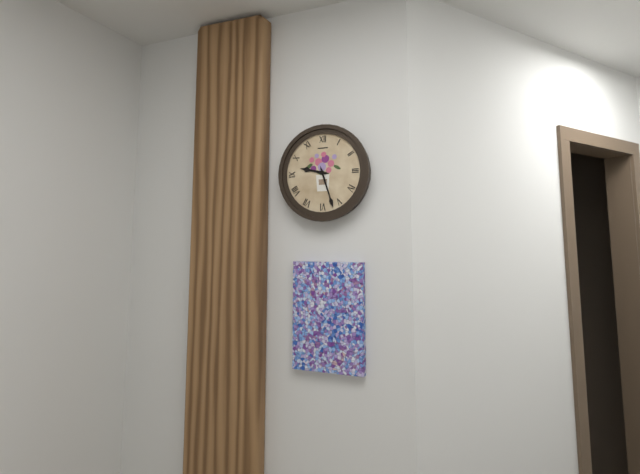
9.27
